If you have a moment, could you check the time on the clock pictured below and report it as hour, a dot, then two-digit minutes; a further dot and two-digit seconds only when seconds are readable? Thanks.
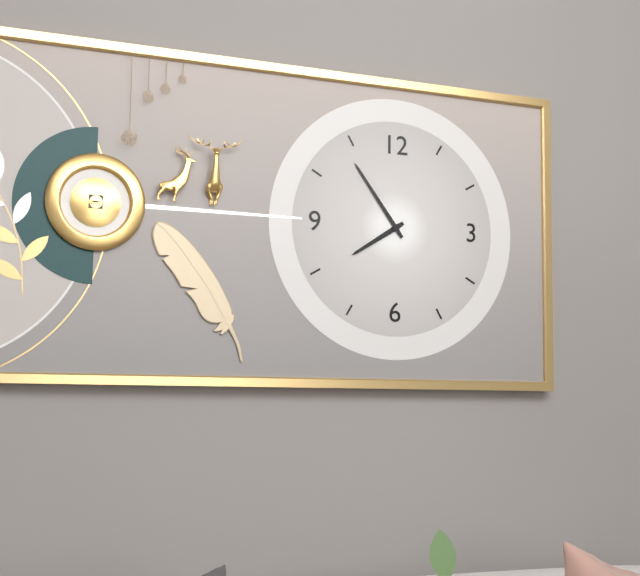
7.54
